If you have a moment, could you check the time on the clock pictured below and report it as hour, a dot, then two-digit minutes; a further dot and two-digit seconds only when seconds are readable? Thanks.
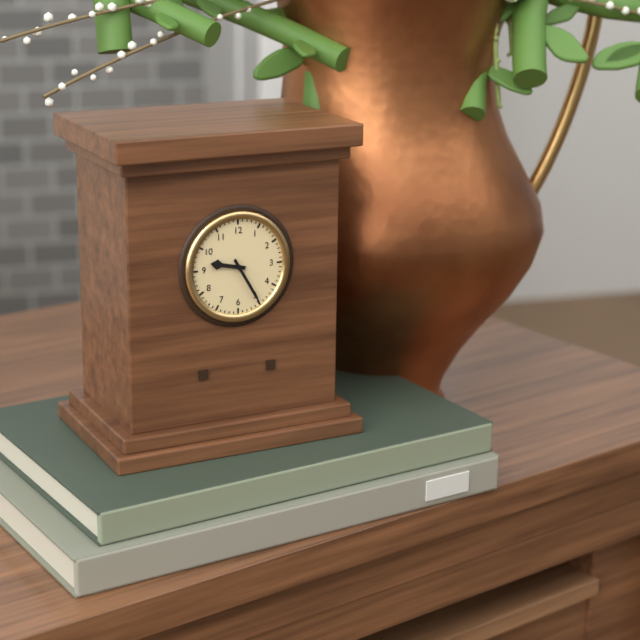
9.25
